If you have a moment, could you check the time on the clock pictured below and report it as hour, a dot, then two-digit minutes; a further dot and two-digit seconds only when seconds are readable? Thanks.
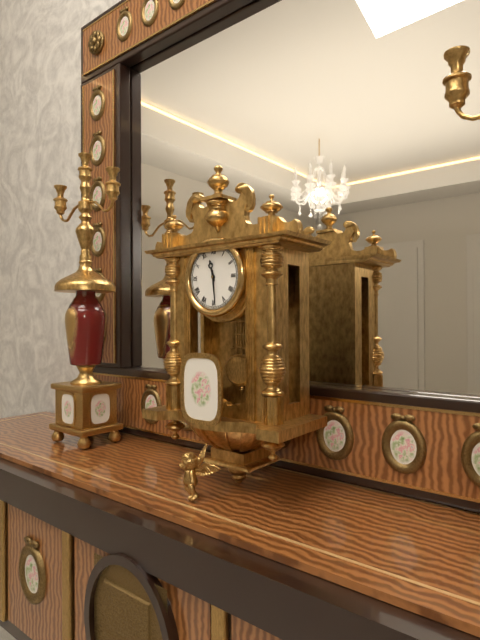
11.29
